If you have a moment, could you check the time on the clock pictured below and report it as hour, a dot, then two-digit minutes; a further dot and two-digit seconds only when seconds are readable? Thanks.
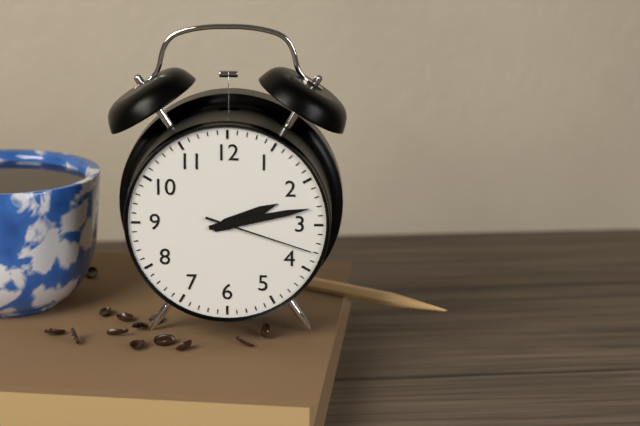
2.13.18
